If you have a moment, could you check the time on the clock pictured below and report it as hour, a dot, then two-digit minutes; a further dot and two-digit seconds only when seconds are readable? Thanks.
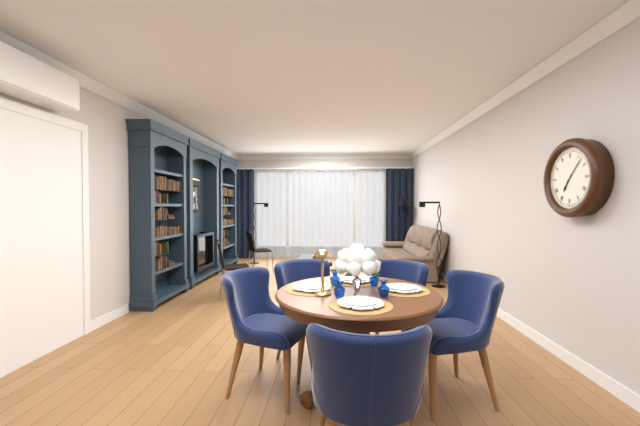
7.07
